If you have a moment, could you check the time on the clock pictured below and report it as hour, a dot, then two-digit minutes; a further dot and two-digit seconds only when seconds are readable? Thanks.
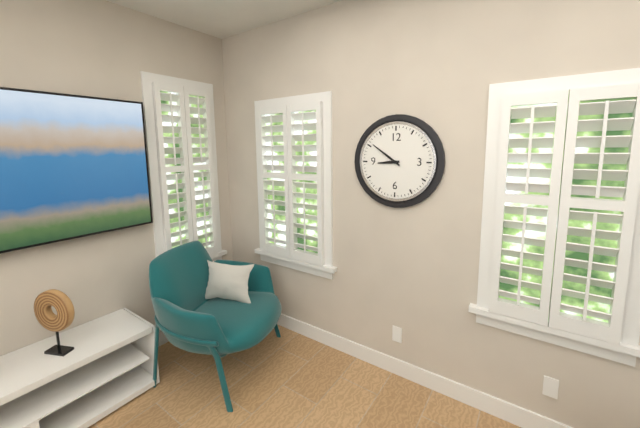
8.51
